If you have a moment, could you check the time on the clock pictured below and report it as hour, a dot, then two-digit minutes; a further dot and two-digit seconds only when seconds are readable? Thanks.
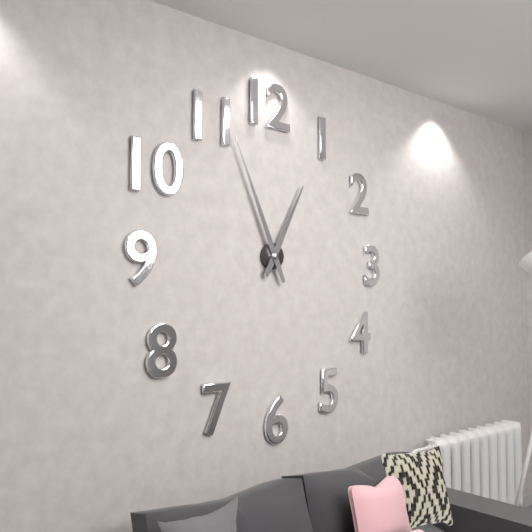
12.56
